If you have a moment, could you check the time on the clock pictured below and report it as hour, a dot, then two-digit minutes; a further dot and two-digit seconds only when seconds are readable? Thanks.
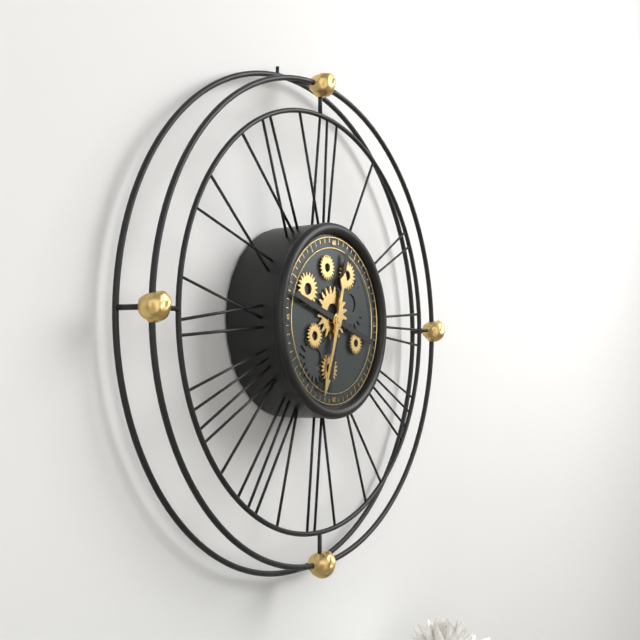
12.33
